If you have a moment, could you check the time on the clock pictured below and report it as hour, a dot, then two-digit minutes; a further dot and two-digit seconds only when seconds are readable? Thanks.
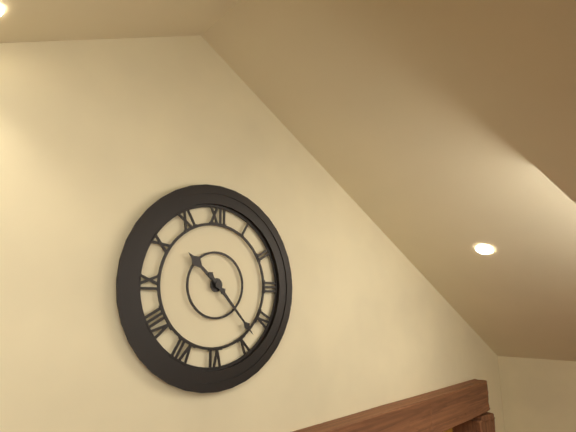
10.23
